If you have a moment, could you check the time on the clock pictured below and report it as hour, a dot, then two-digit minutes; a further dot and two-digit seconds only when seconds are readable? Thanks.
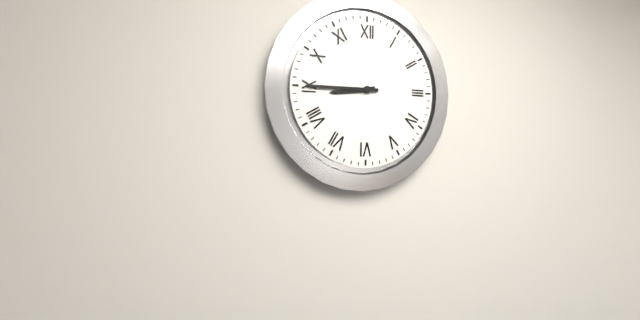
8.45
